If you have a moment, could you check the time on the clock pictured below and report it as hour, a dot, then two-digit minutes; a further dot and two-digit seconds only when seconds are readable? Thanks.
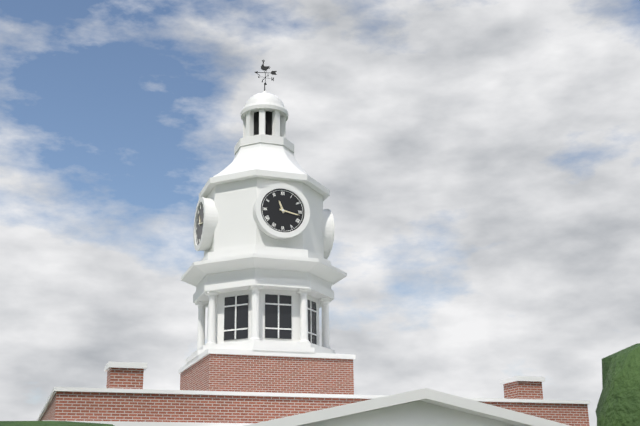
11.17
